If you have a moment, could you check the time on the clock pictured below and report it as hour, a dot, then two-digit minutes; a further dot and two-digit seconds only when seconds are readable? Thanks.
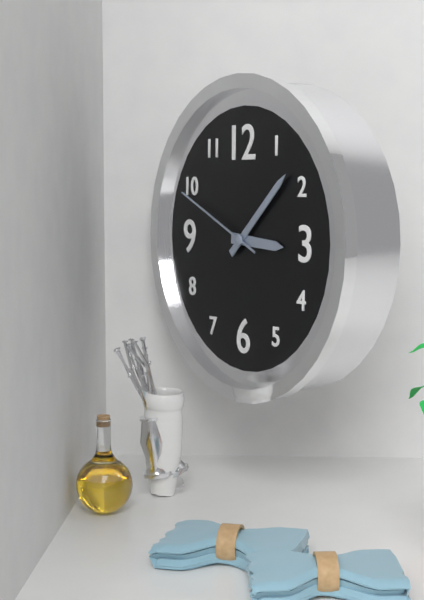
3.08.49
